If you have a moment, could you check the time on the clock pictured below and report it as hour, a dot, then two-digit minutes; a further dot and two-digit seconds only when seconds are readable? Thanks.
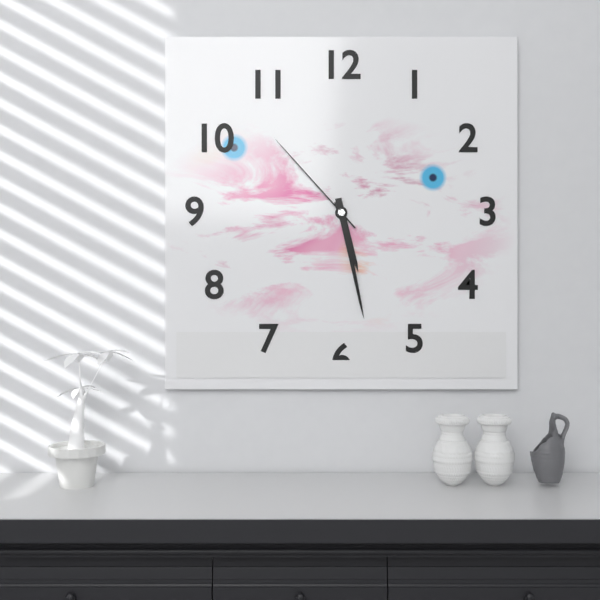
5.28.53
